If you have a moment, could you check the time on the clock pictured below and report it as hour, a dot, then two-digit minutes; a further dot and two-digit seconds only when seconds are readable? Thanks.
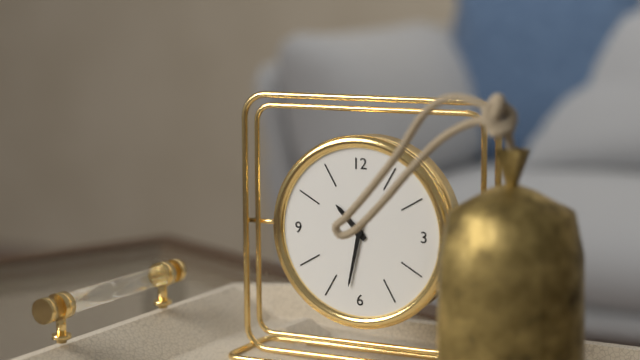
10.32
